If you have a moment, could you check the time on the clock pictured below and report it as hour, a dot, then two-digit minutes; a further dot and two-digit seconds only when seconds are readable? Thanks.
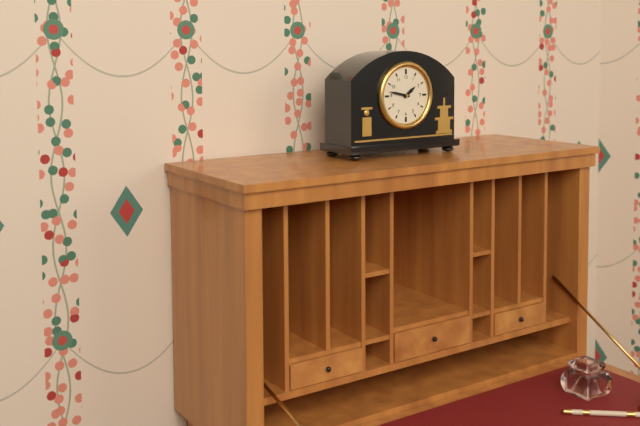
1.47
